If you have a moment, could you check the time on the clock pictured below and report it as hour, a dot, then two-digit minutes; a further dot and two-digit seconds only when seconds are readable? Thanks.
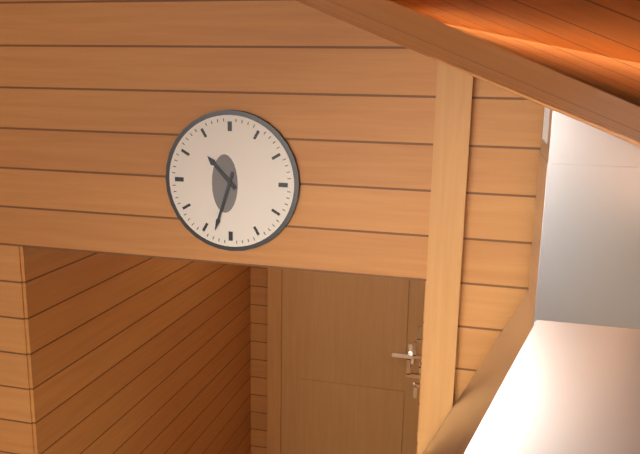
10.33
